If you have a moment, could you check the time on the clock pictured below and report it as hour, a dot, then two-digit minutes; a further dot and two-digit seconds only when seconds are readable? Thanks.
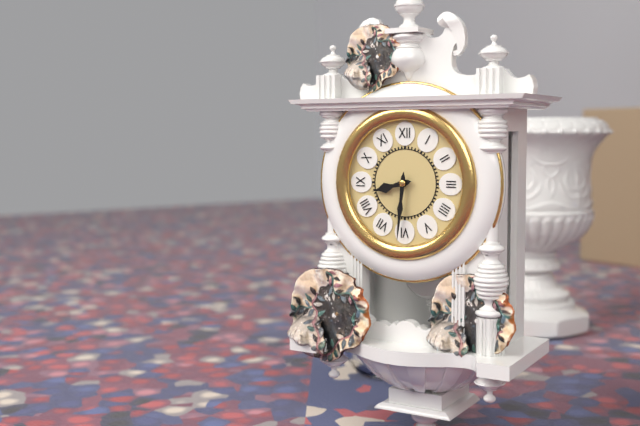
8.31
